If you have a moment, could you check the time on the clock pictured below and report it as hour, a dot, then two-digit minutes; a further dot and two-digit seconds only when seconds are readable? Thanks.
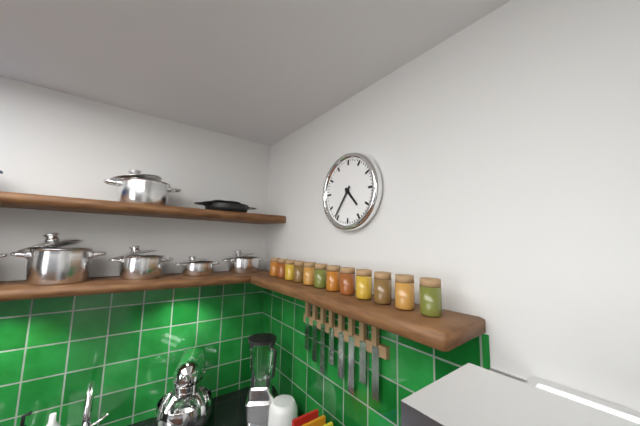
4.36
